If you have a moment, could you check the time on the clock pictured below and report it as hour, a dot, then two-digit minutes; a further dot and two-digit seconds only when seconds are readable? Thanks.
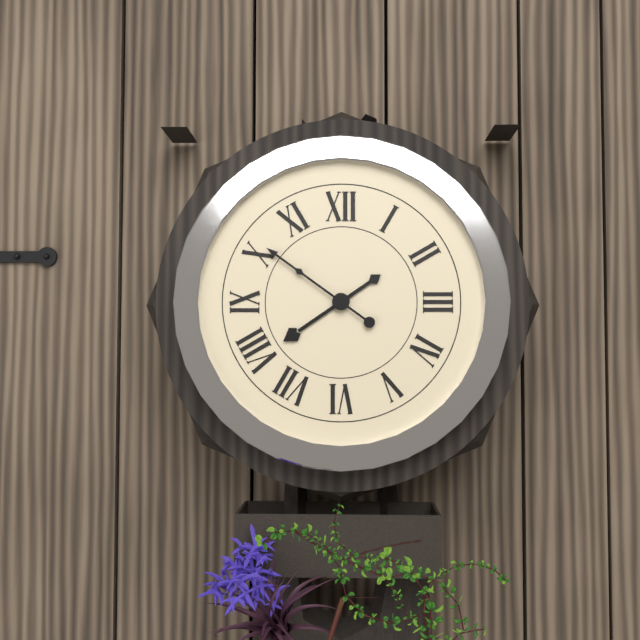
7.51
